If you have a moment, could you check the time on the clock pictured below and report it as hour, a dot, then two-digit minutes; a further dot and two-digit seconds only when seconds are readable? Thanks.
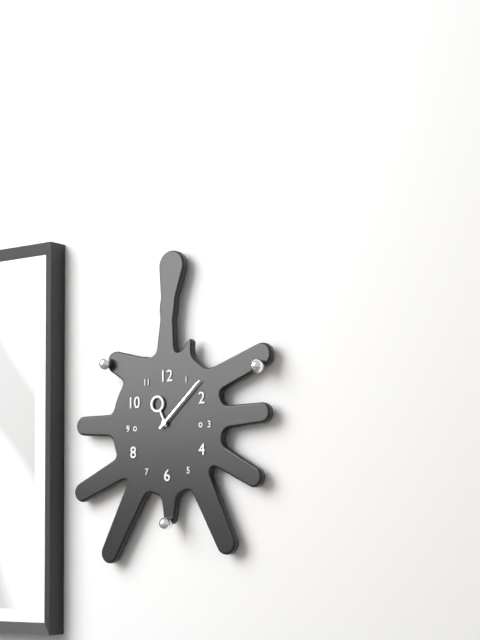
11.08
